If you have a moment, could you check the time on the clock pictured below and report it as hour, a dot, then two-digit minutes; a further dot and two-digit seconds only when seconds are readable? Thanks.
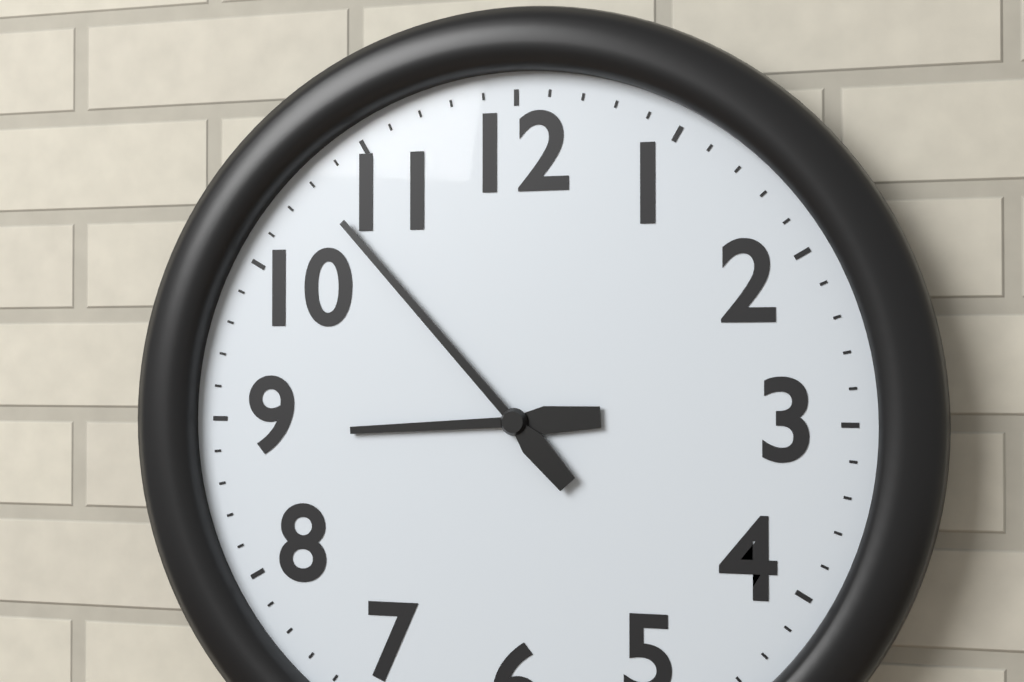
8.53
